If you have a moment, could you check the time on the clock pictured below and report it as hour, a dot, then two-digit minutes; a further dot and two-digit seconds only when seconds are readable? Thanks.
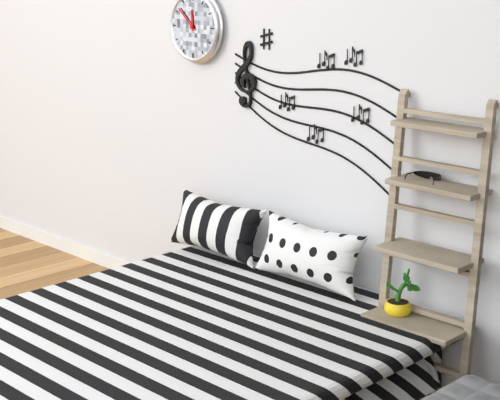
11.52
